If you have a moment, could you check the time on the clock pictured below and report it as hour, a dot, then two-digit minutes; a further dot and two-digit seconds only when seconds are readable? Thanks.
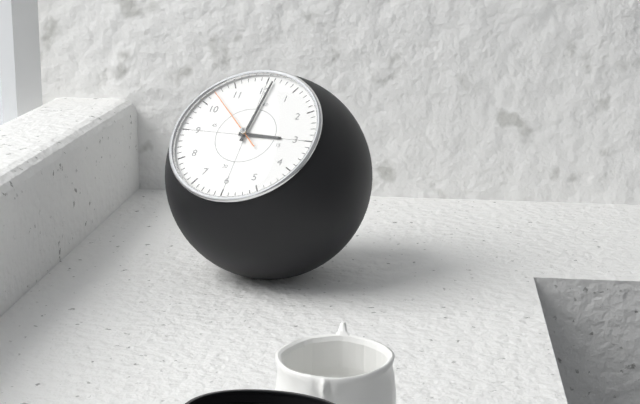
3.01.52
